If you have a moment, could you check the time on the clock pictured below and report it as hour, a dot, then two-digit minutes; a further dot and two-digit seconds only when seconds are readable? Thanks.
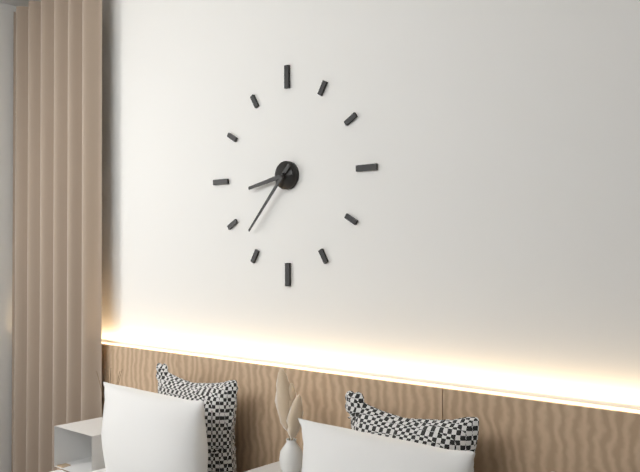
8.37
